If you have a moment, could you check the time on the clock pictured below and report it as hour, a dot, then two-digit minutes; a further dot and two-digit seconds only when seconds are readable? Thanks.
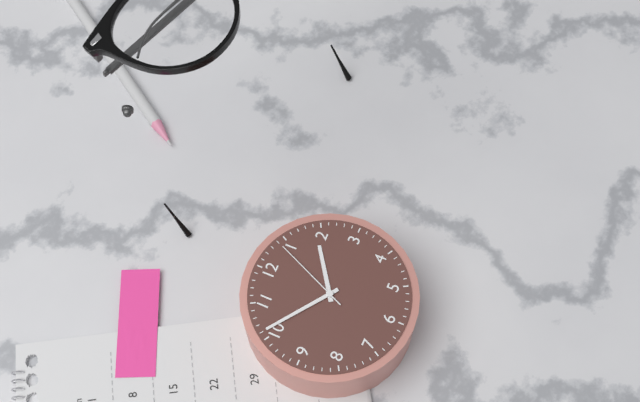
1.51.04
